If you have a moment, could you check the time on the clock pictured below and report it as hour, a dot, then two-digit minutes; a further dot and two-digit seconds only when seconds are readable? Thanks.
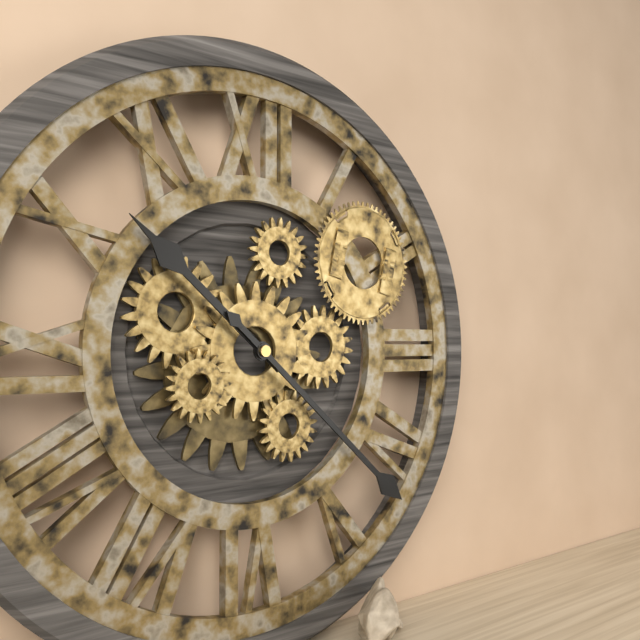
10.22
